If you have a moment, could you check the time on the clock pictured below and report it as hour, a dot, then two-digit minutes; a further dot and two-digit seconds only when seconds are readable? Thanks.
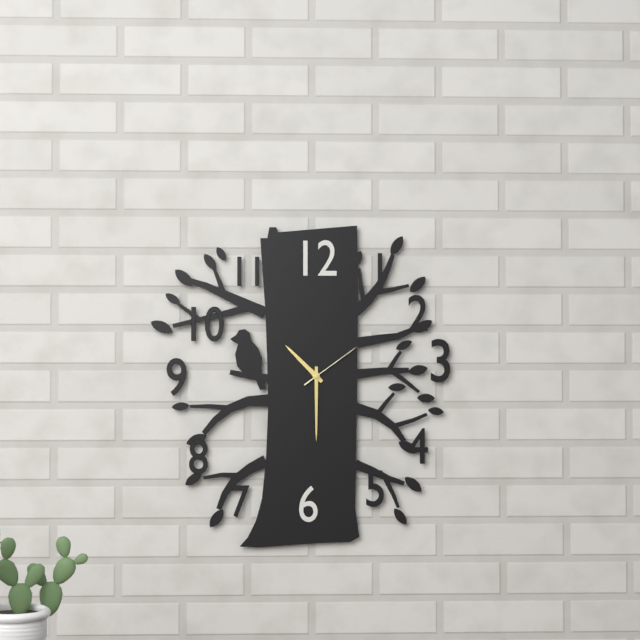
10.30.09
